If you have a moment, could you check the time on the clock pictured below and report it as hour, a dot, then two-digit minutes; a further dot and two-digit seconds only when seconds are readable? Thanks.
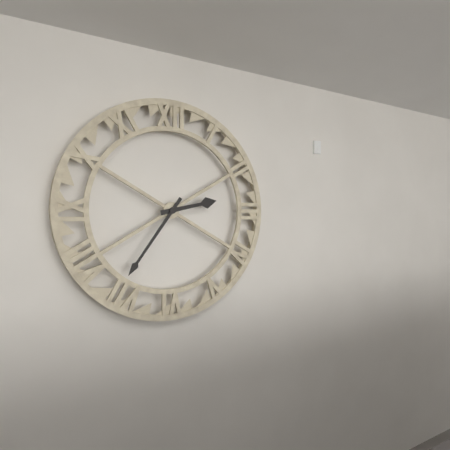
2.36
